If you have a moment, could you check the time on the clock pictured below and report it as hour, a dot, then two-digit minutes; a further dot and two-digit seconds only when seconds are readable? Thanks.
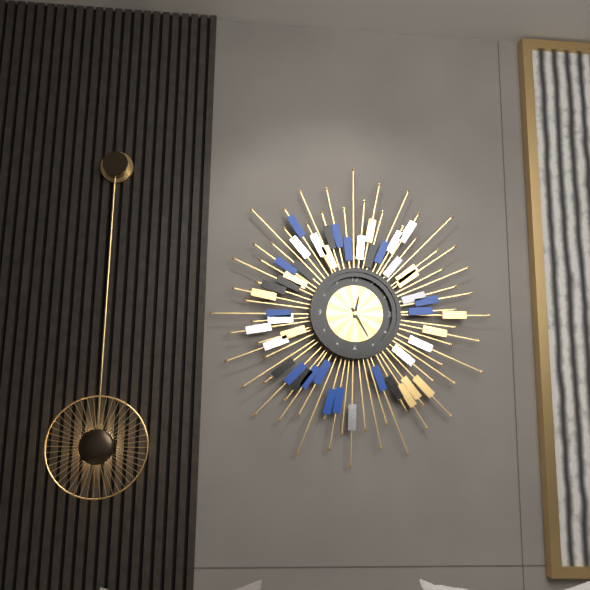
12.25
